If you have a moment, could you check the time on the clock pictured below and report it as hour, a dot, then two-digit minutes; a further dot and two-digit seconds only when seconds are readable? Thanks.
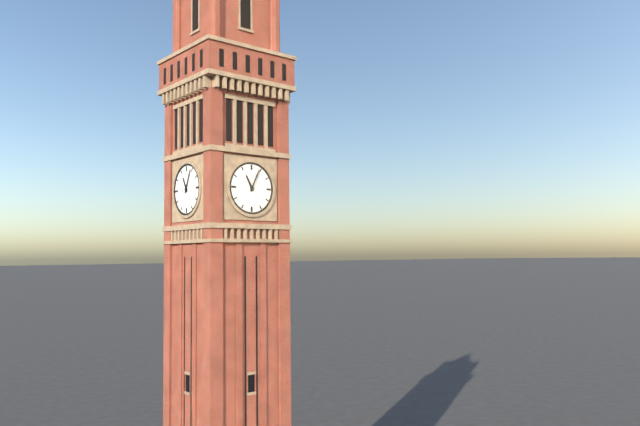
11.04
